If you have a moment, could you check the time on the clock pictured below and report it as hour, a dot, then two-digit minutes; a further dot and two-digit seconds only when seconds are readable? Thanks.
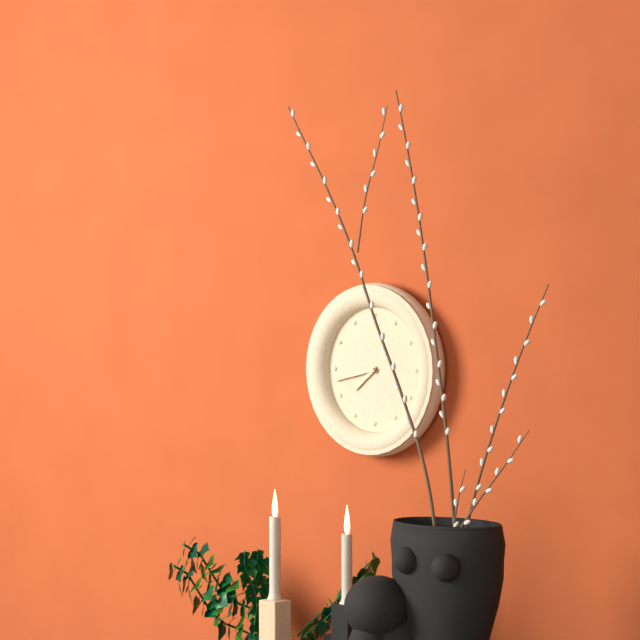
7.43
